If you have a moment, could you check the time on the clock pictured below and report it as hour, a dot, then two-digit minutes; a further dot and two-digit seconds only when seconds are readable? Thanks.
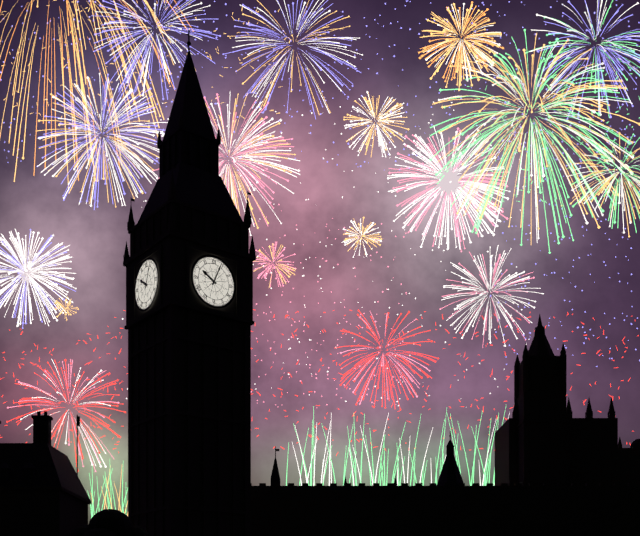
10.04
